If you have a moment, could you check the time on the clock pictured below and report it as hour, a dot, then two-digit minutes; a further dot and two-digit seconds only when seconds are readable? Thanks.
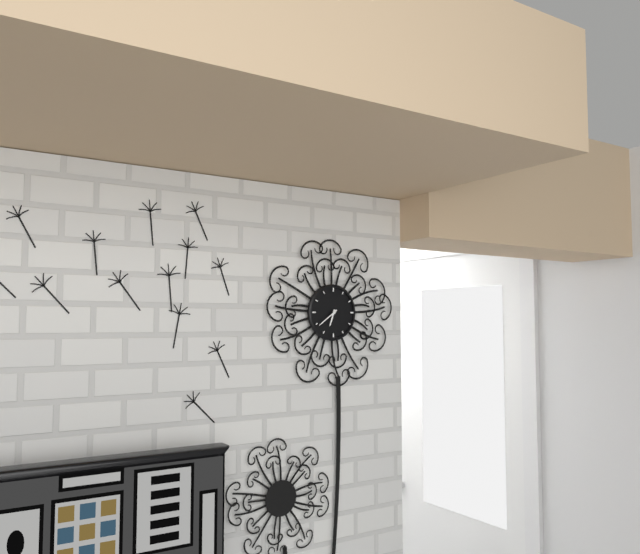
6.39
